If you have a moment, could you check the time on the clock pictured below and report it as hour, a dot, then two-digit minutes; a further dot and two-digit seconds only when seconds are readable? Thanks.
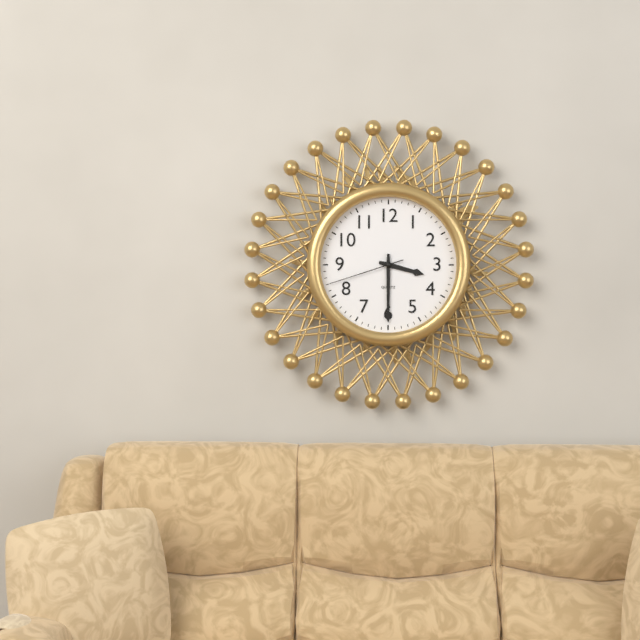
3.30.42
